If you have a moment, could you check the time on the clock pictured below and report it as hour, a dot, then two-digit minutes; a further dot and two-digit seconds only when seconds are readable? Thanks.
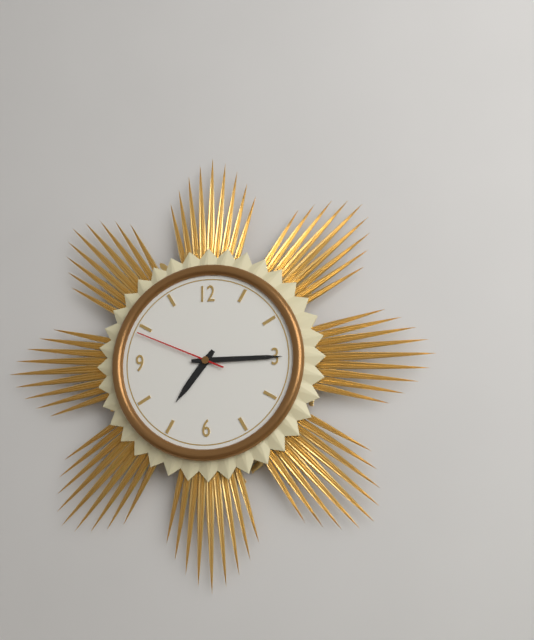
7.15.49
